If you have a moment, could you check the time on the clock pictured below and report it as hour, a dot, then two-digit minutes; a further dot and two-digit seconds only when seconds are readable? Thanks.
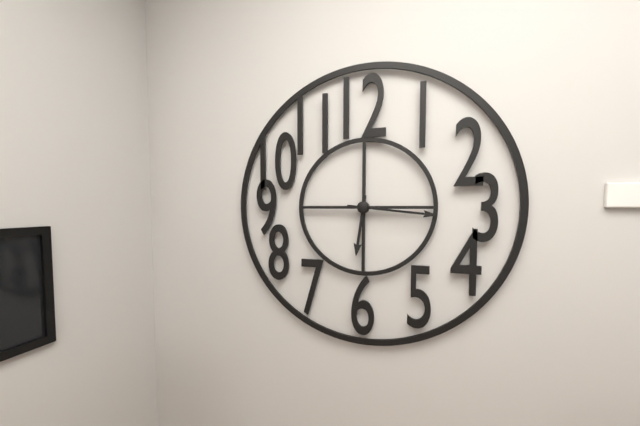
6.16
